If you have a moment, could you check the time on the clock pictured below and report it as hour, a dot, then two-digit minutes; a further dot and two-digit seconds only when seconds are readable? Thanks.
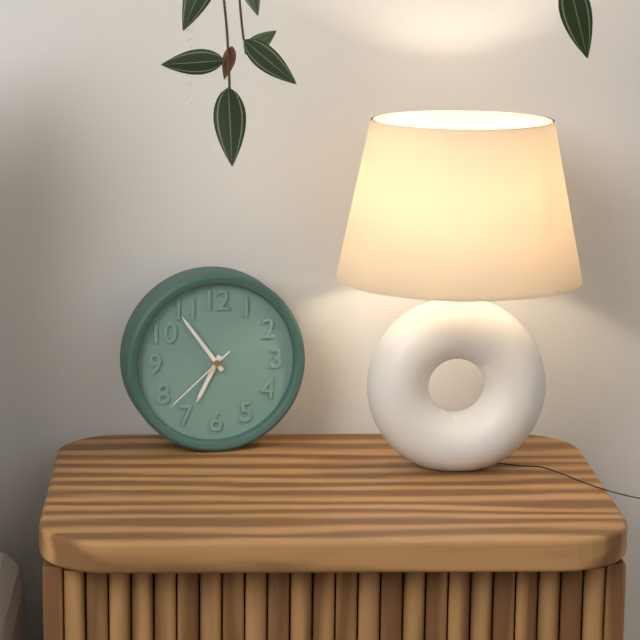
6.54.38
